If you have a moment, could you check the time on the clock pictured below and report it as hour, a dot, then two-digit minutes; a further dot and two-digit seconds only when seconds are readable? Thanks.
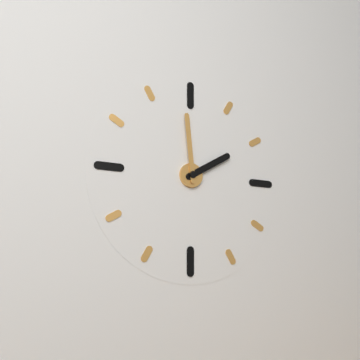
1.59
